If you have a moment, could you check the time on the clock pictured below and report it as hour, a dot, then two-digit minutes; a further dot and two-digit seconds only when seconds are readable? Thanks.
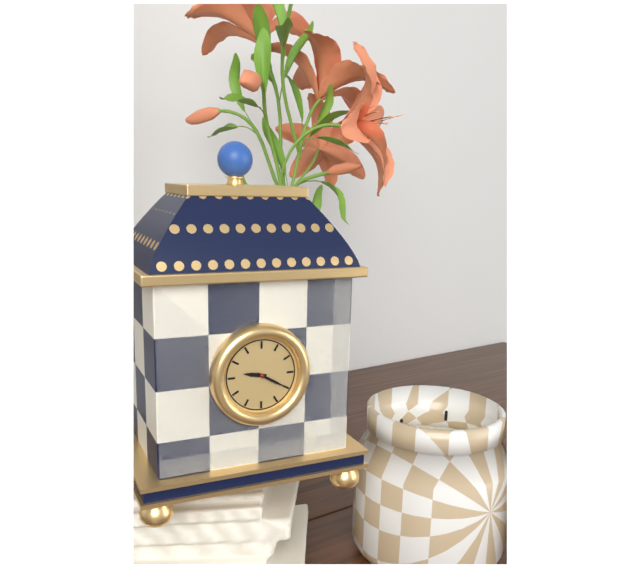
9.20
